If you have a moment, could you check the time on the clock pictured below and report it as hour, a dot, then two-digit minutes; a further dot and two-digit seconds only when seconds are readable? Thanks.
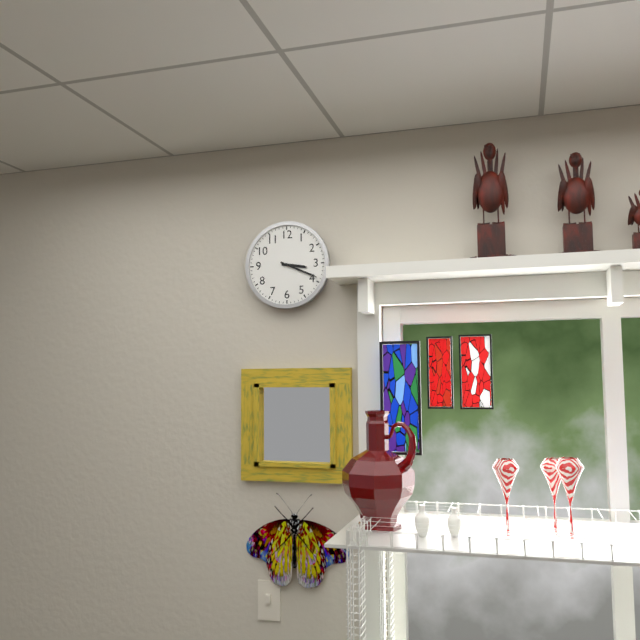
3.19
